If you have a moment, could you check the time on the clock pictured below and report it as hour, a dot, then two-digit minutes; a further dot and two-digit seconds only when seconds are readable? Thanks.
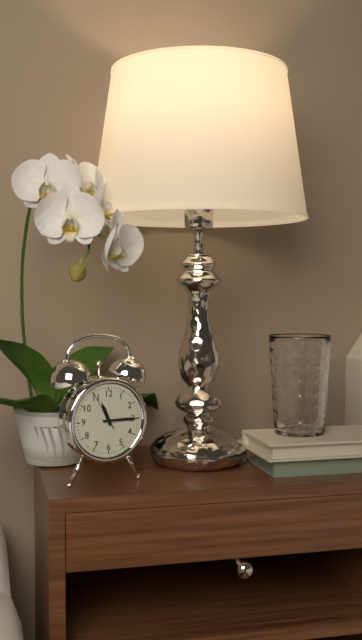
11.15
